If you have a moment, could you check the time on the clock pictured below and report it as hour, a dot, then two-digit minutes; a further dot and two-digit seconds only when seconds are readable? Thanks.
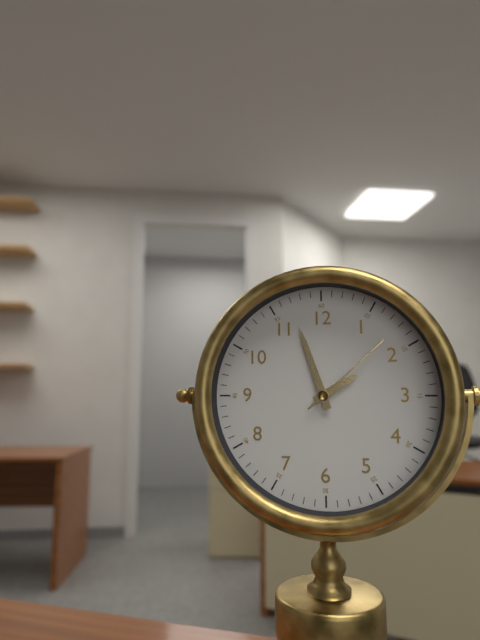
1.57.08
